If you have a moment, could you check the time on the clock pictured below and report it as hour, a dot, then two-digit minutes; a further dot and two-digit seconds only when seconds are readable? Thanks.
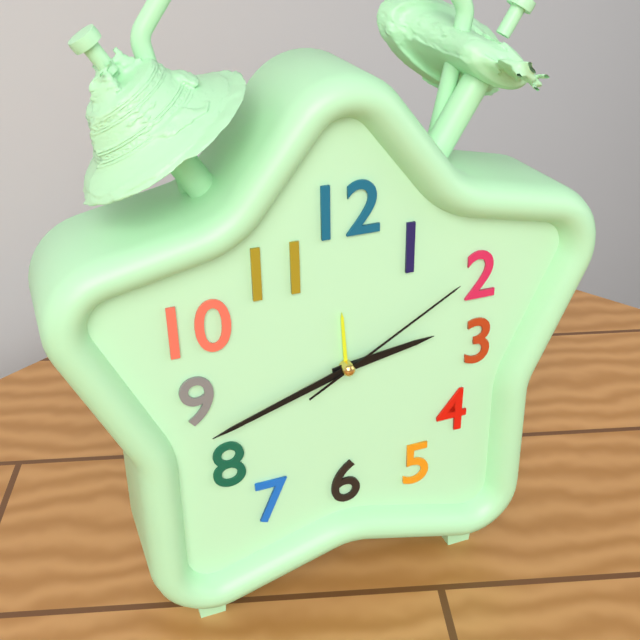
2.42.10
